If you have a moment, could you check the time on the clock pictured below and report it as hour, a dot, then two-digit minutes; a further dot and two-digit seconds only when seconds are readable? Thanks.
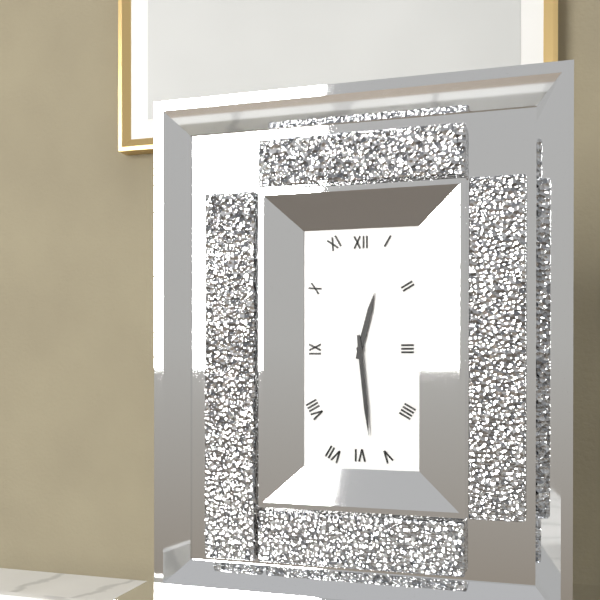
12.29
